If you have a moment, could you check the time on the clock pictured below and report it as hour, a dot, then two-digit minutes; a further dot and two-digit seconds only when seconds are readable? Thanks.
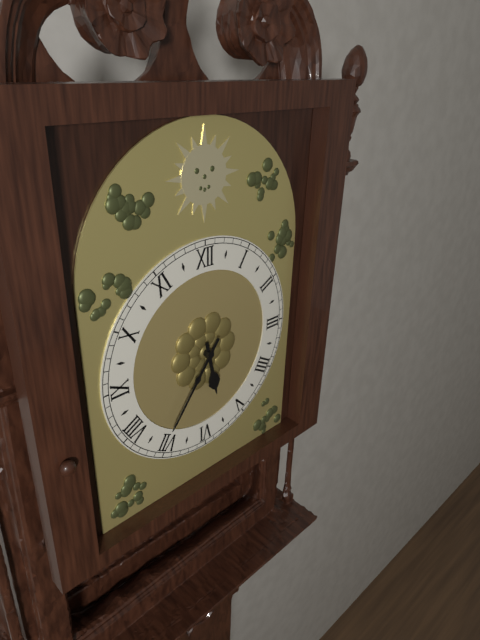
5.36
